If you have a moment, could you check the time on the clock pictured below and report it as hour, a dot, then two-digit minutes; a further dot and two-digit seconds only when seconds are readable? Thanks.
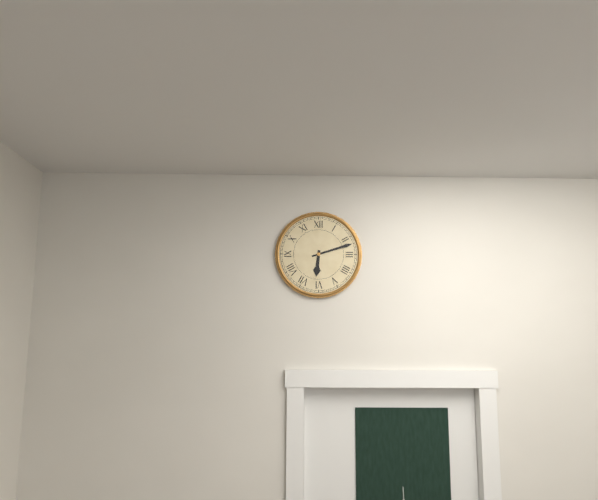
6.12
